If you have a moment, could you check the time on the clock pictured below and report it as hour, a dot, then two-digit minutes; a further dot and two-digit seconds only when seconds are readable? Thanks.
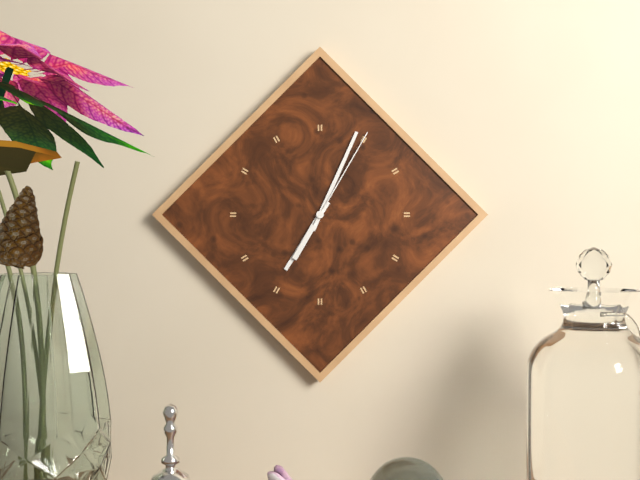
7.04.05
